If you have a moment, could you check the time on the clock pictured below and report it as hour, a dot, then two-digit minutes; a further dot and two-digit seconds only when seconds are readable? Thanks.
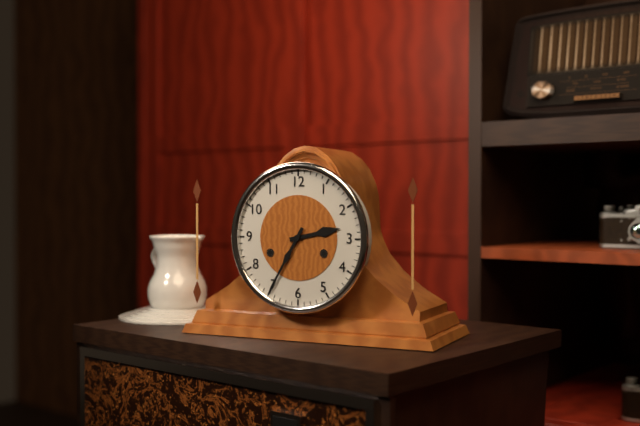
2.35
